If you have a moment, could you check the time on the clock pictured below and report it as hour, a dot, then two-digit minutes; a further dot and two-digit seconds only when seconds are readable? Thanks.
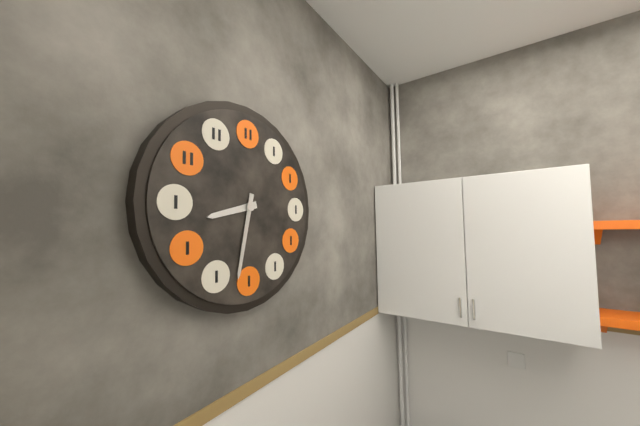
8.32
